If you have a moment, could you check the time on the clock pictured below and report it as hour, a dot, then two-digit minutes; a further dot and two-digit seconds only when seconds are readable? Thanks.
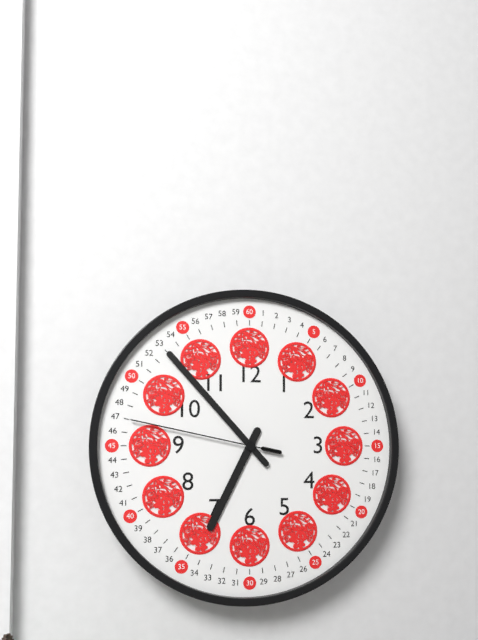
6.53.47
